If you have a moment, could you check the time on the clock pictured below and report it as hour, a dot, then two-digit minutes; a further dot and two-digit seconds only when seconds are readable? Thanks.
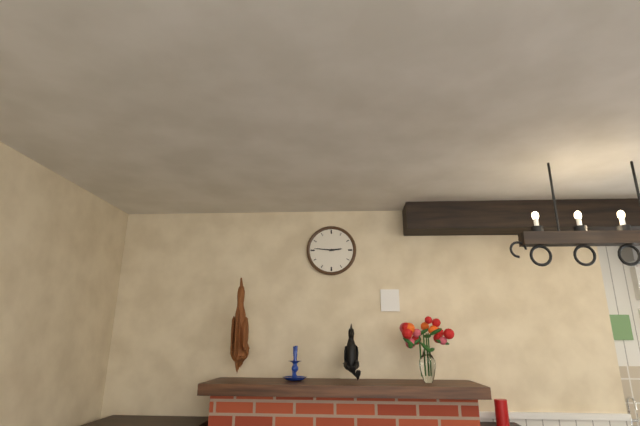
2.46
